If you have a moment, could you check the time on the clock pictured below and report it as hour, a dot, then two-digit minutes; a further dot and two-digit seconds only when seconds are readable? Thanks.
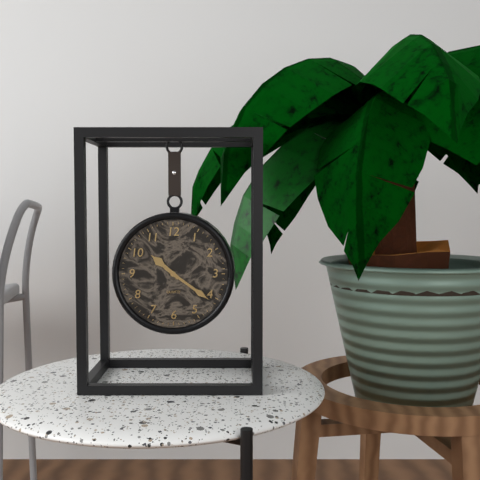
10.21
